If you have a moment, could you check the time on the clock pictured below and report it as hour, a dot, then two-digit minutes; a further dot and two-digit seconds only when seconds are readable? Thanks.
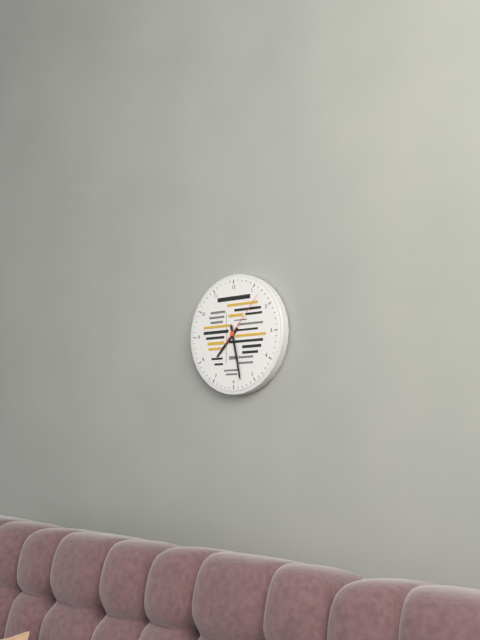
7.28.07
